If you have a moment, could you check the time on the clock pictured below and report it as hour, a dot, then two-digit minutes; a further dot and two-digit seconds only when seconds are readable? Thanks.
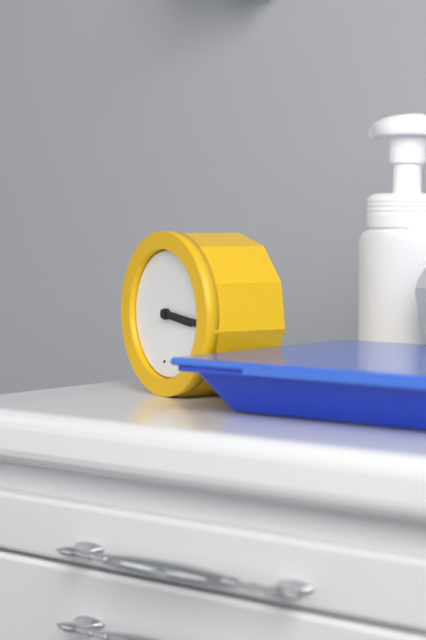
3.16
